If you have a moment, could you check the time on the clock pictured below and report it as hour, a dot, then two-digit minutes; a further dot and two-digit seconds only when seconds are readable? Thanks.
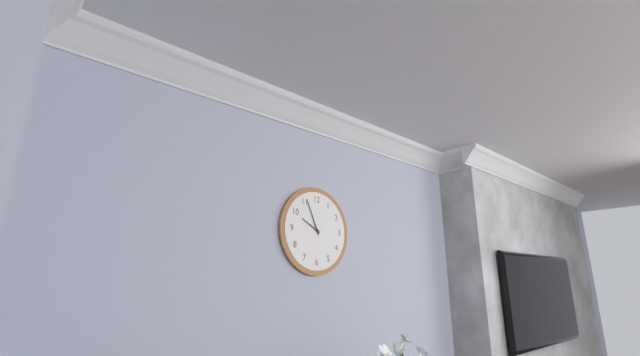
9.56
